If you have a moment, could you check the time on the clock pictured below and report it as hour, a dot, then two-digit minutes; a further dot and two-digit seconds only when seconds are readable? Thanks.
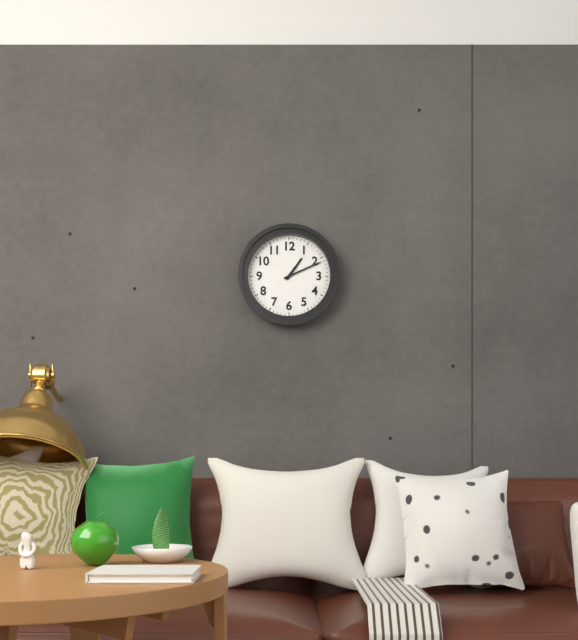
1.11
